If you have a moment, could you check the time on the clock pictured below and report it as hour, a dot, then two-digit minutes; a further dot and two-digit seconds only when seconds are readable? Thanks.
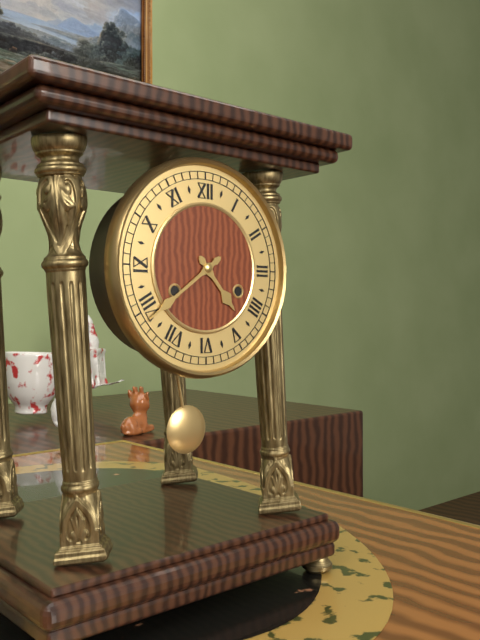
4.39
